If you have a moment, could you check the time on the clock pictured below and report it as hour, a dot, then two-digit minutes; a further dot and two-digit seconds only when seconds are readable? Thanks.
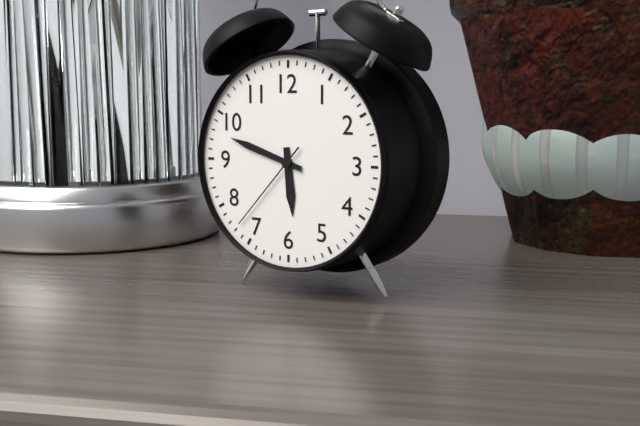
5.48.37
